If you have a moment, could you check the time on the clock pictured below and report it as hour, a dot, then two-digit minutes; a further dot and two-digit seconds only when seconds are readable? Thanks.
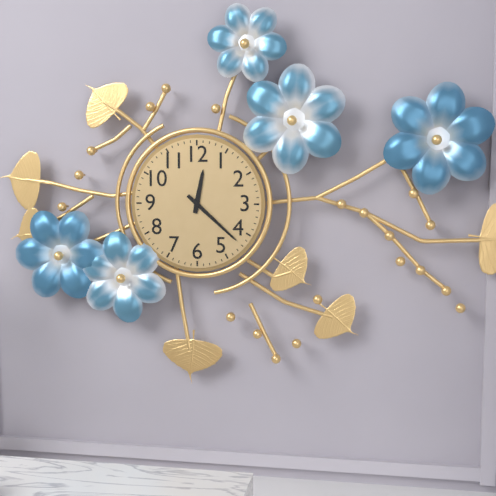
12.22
